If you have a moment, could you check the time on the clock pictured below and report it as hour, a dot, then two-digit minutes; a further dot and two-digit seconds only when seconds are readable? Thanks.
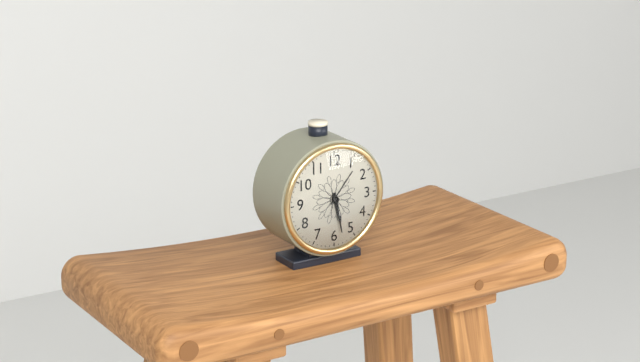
5.28
